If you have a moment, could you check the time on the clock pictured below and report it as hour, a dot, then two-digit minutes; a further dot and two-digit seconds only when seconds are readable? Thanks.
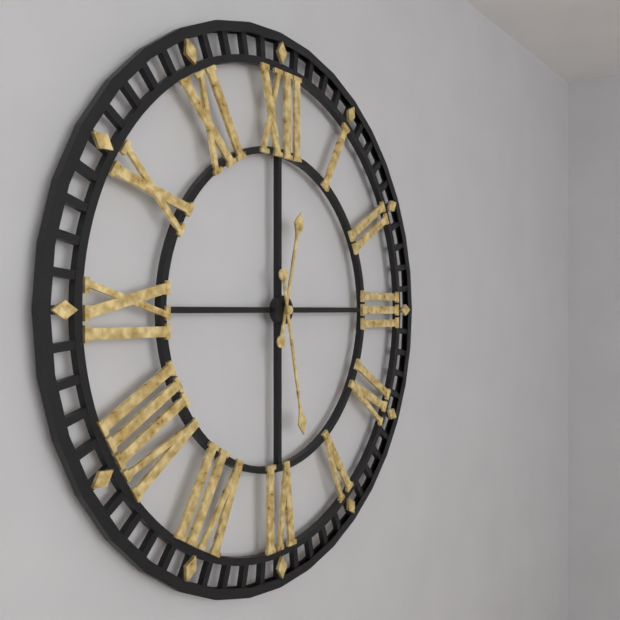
12.28
